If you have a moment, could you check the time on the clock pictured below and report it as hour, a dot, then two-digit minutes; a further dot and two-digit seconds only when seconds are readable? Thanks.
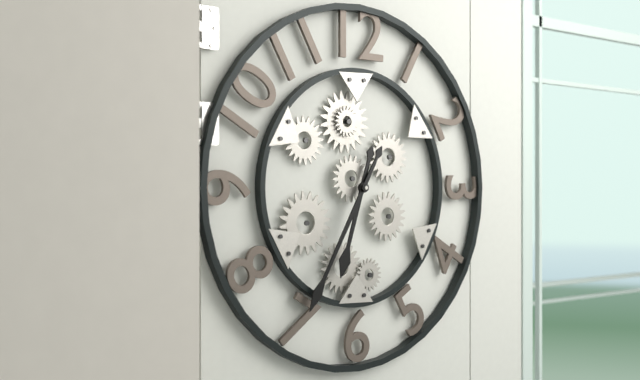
6.35
